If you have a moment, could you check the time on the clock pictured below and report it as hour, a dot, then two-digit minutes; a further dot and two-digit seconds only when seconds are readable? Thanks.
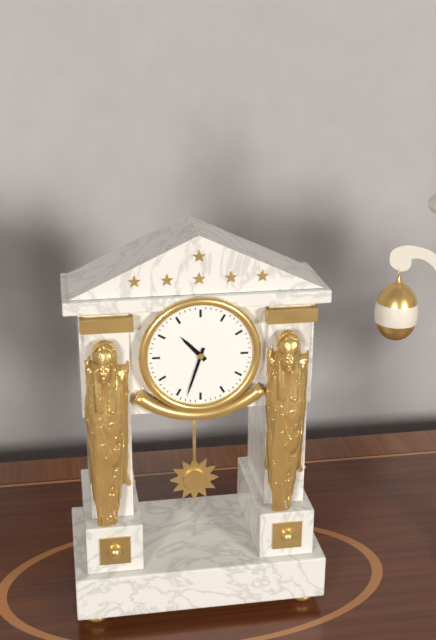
10.33
